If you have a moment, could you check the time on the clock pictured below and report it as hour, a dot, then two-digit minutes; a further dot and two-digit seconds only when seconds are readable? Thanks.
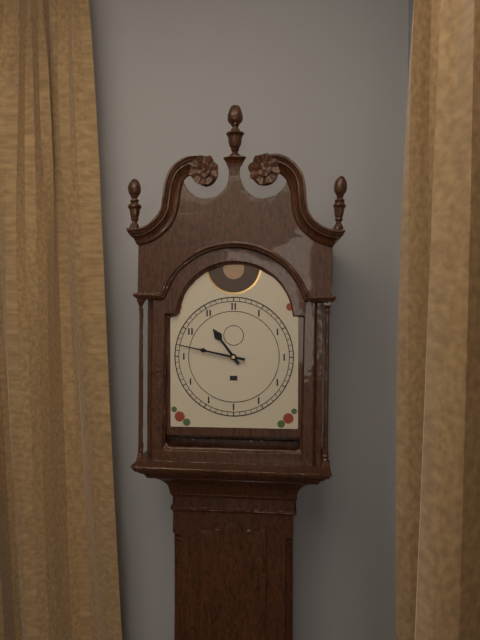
10.47
